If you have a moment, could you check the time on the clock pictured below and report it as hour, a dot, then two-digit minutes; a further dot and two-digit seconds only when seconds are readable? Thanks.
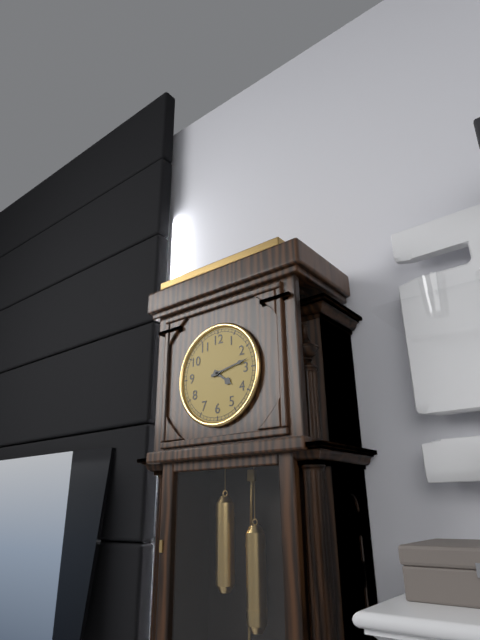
4.13
